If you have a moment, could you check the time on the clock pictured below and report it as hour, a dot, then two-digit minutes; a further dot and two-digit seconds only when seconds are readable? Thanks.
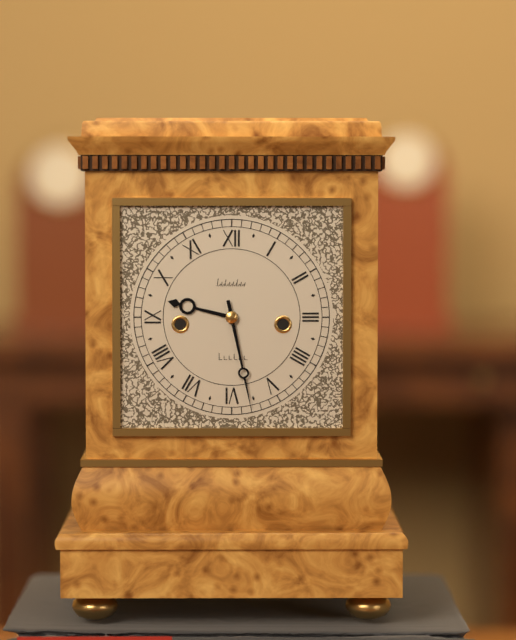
9.28
